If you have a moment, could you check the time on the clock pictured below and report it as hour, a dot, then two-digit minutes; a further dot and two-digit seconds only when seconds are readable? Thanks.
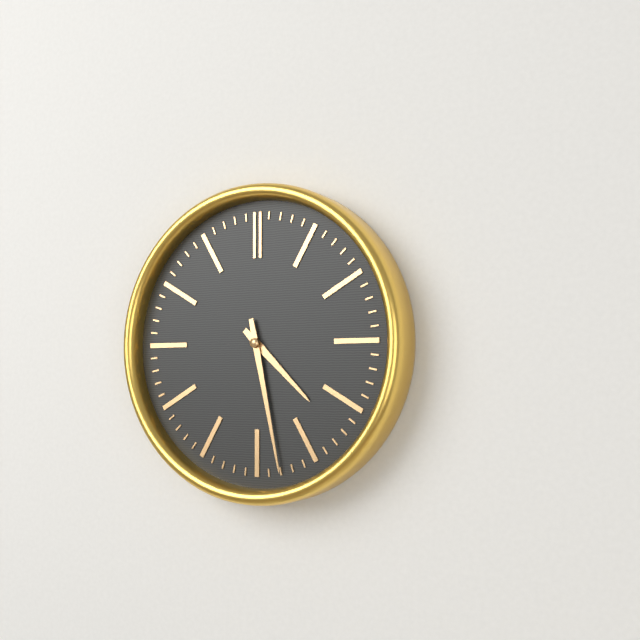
4.28
